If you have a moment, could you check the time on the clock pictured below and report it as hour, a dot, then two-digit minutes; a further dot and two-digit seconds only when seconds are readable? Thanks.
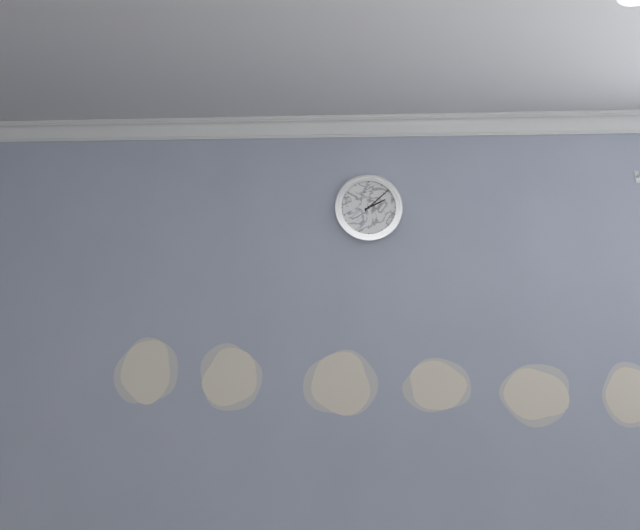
2.08
